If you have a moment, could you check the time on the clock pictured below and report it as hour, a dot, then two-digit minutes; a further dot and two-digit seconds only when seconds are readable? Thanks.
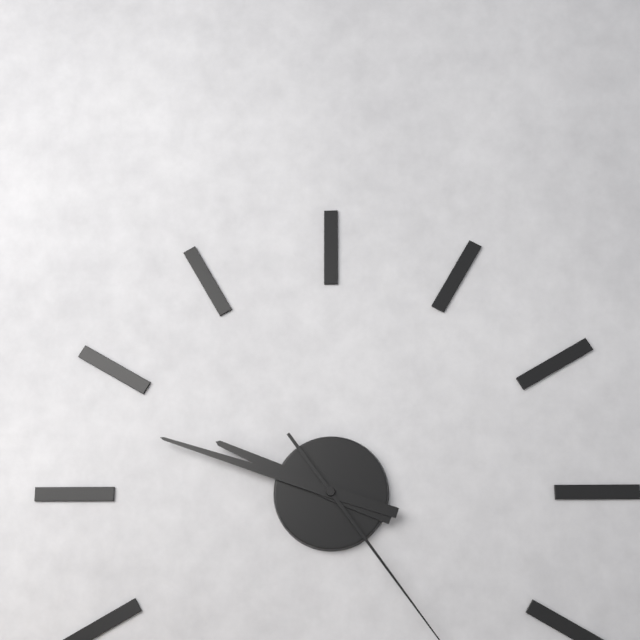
9.48
